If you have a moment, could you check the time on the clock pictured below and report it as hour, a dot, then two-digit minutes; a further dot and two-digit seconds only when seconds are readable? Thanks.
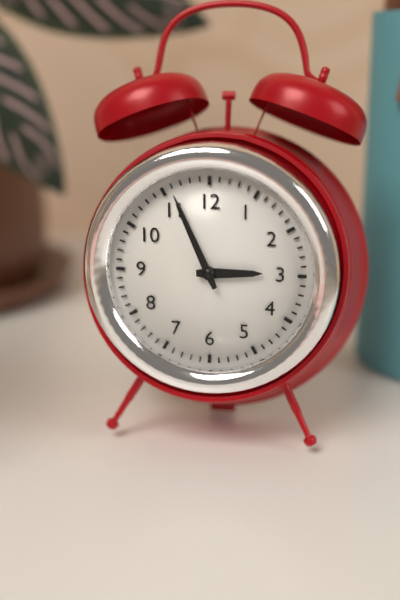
2.56
